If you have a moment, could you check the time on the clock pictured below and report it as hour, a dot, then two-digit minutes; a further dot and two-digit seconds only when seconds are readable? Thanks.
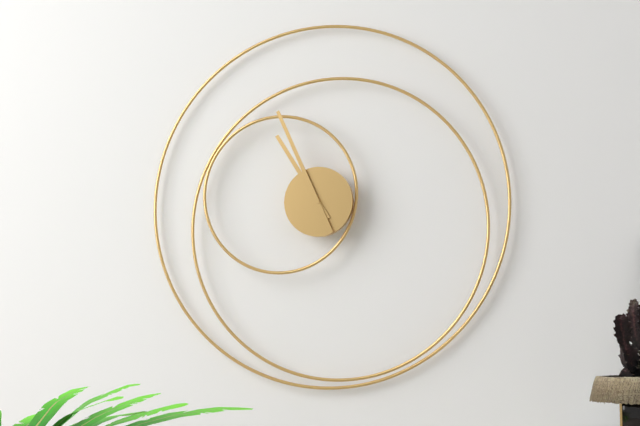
10.56
